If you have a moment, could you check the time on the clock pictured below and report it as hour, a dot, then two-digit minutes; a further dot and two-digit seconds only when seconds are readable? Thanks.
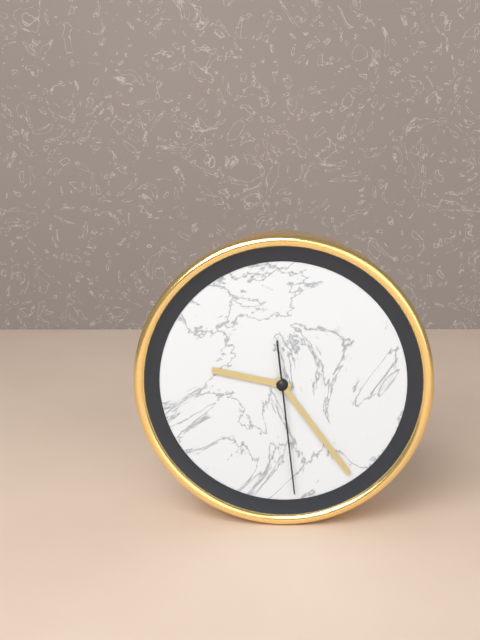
9.24.29
